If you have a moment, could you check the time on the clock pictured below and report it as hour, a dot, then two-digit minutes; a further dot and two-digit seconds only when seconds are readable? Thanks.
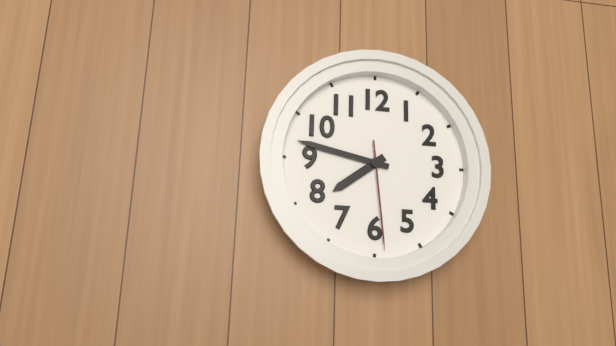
7.47.29
